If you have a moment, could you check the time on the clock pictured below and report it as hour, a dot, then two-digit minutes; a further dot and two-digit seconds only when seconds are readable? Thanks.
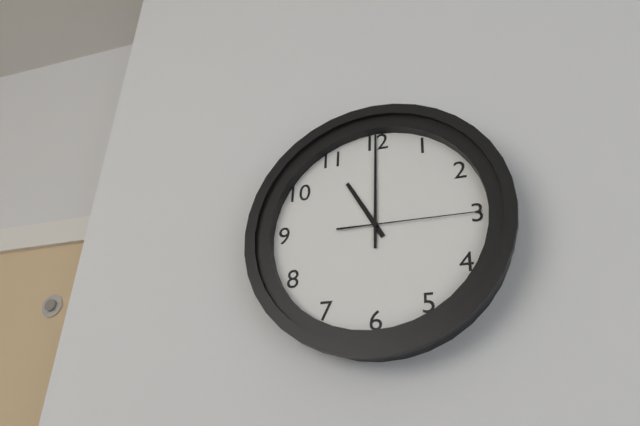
11.00.15
